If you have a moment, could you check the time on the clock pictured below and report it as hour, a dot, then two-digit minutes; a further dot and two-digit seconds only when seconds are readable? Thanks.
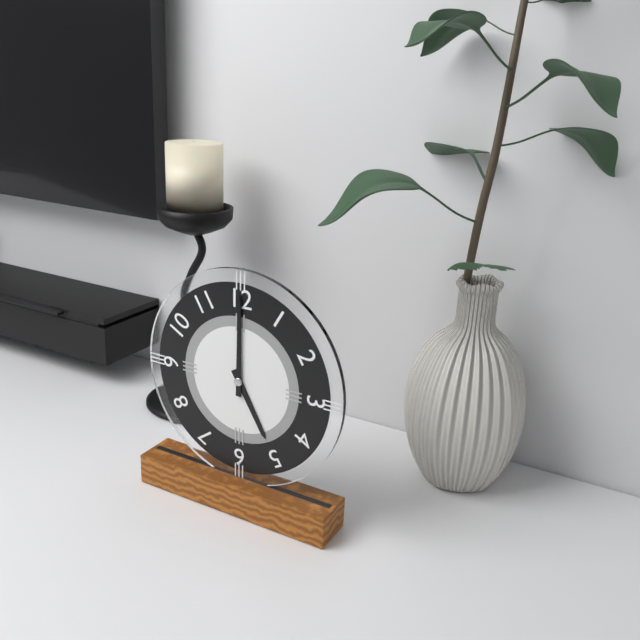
5.00
